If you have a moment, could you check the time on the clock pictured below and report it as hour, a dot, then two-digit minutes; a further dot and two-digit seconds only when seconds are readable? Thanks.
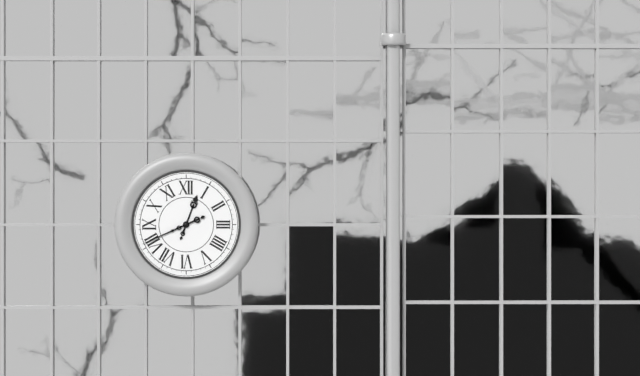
12.41
